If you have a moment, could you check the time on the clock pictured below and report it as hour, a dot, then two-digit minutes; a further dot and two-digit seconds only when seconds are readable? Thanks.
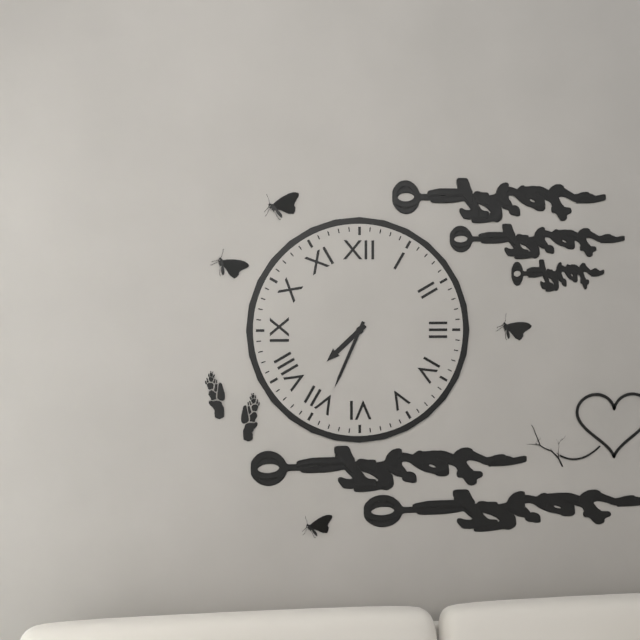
7.34
